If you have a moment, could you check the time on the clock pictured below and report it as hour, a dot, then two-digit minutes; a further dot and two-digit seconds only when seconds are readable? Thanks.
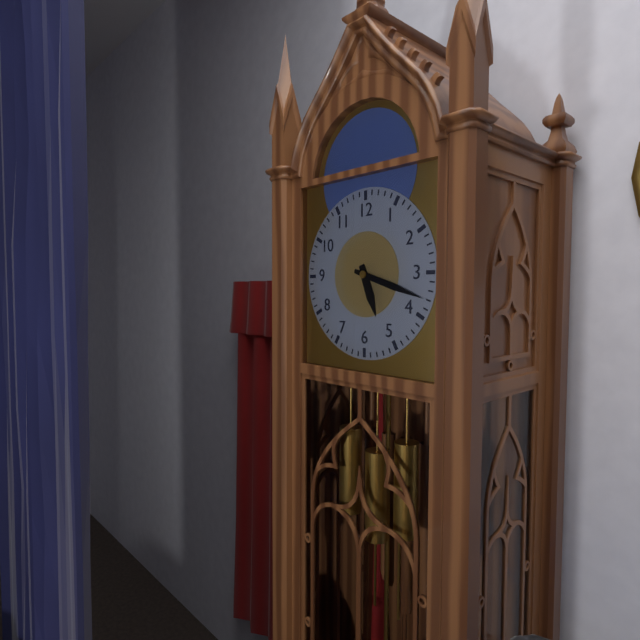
5.18
